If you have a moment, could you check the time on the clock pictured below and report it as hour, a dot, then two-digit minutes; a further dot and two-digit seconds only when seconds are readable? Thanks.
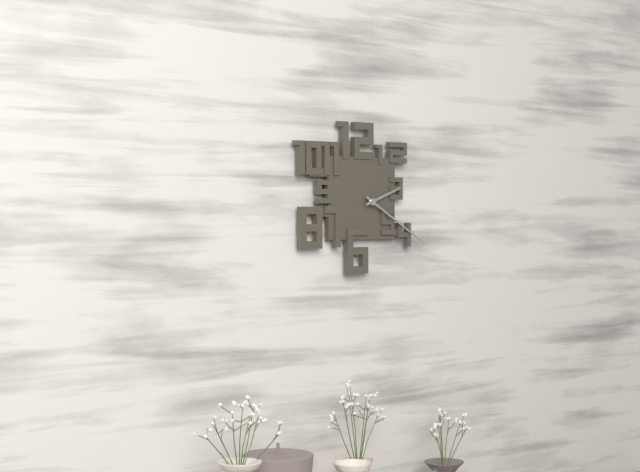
2.20
